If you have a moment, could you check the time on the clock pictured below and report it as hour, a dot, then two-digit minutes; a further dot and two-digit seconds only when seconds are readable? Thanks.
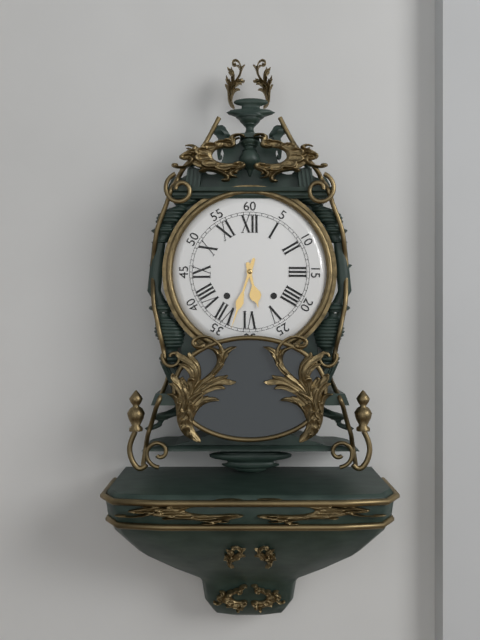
5.33
